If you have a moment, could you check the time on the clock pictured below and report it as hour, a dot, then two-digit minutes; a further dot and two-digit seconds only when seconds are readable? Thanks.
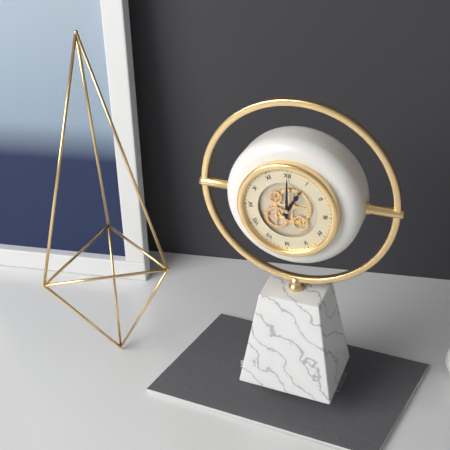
1.00
